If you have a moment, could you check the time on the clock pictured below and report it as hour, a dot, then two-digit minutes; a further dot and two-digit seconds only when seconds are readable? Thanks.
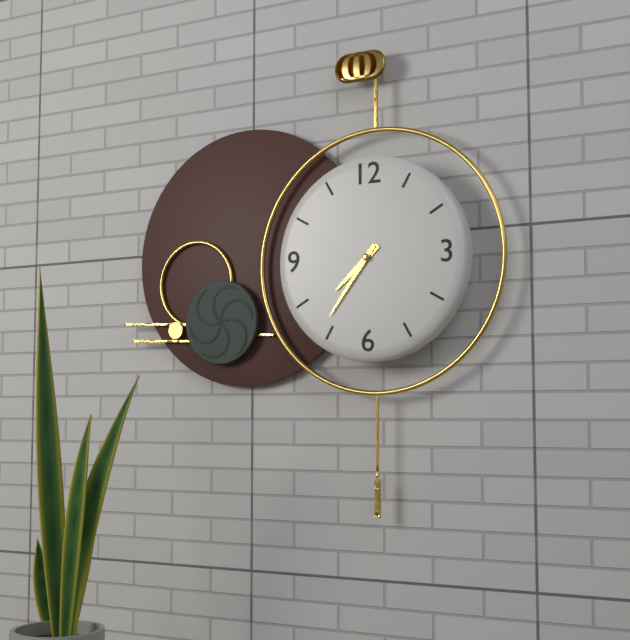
7.36
